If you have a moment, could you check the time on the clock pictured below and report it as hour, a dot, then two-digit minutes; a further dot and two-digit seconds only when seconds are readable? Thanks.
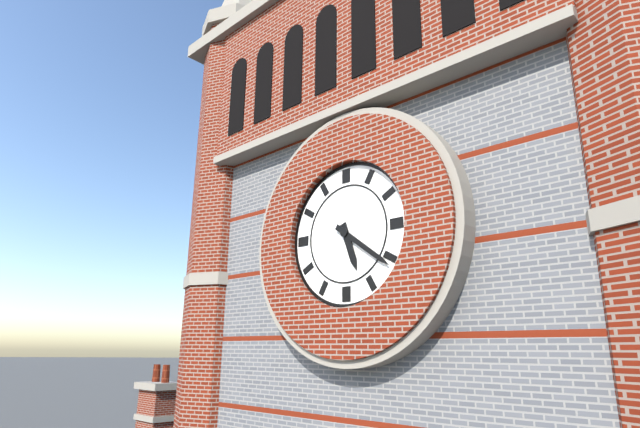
5.21
